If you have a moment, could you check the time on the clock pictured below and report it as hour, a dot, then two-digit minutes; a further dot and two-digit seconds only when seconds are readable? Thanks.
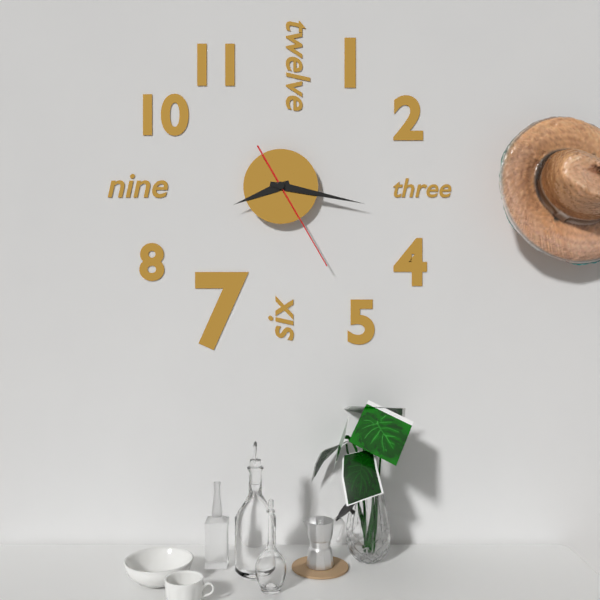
8.17.25
